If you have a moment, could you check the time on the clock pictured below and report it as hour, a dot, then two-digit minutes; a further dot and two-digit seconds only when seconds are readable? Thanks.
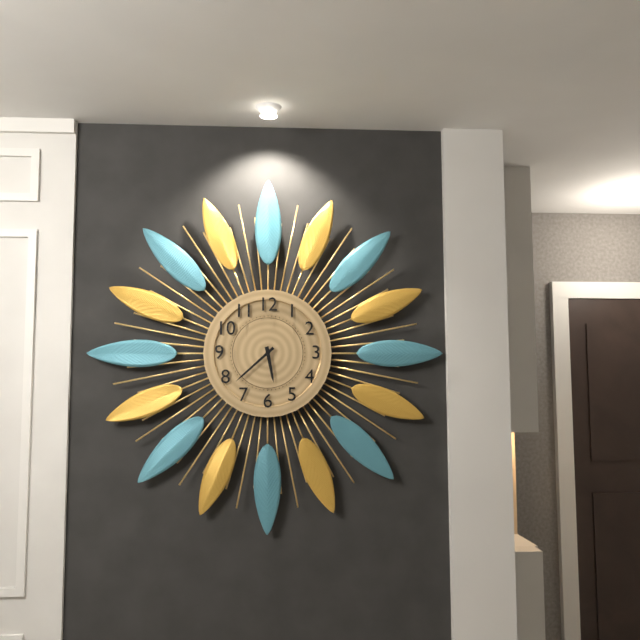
5.38
